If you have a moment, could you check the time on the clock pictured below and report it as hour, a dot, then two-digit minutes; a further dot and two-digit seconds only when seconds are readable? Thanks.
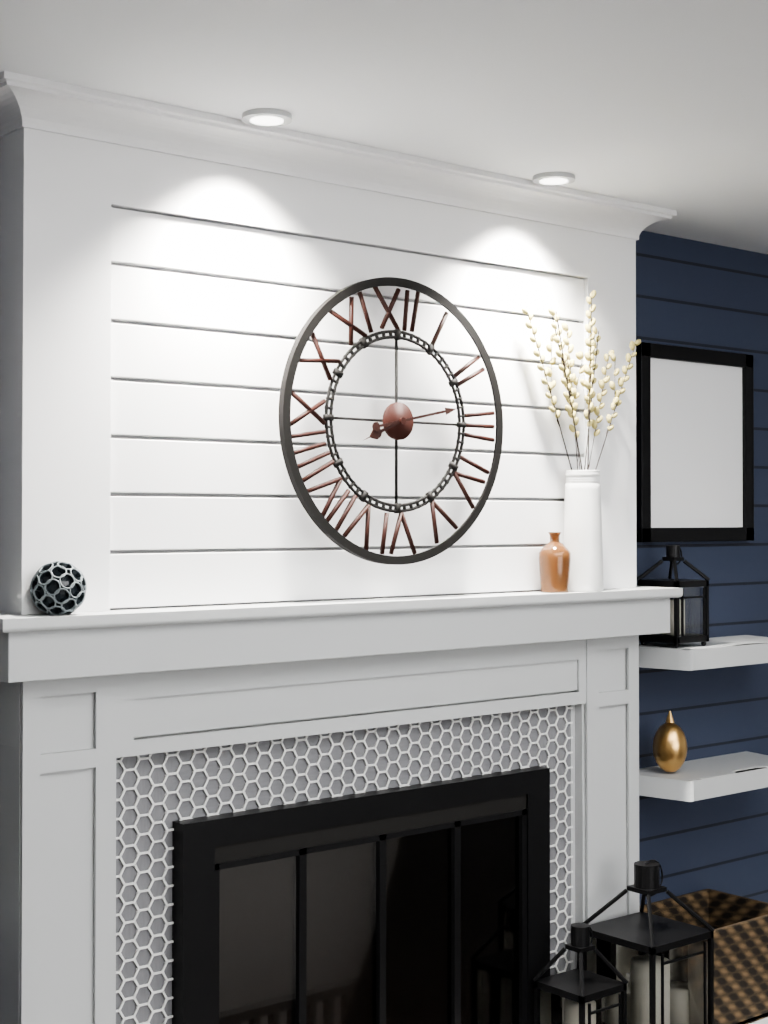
8.13
